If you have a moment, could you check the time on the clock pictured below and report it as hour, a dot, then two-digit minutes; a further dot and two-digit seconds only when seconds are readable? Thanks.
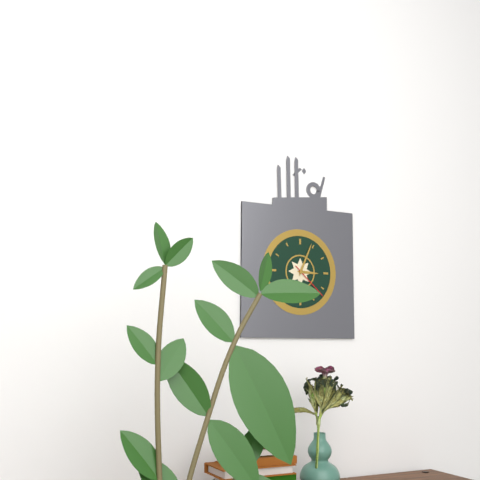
3.04
